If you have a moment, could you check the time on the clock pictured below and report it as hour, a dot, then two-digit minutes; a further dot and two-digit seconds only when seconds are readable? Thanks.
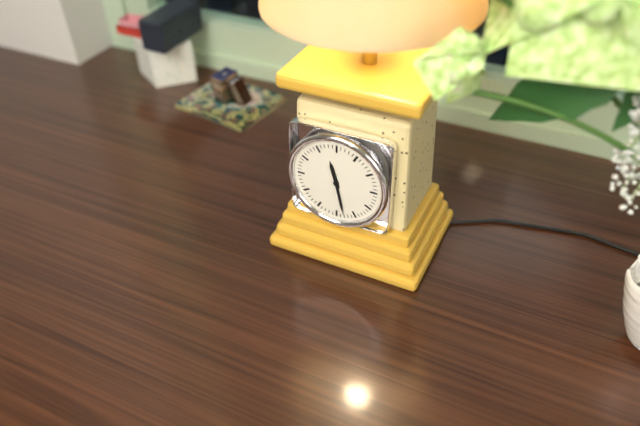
11.28
